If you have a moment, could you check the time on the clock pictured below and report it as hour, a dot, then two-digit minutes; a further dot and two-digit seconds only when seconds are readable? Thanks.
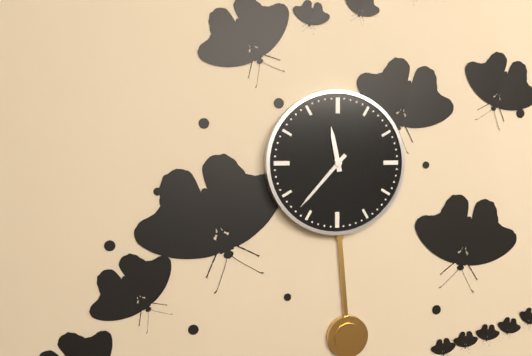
11.37
